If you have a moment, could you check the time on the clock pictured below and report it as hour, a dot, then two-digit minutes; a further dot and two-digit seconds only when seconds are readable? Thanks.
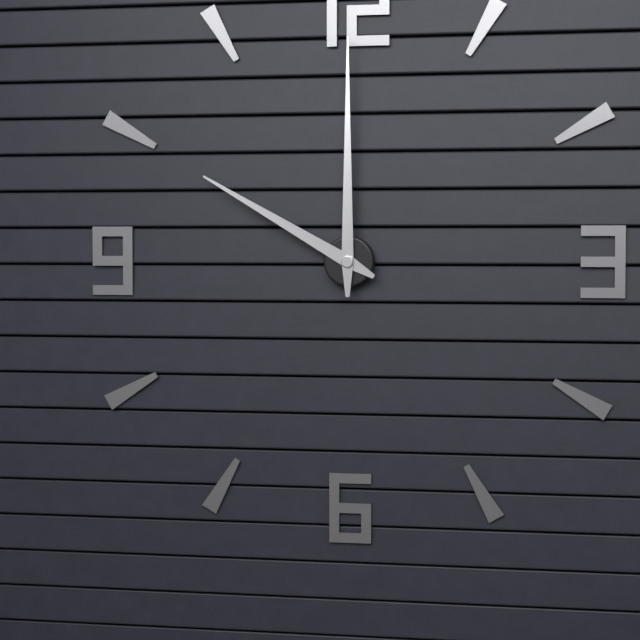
10.00
